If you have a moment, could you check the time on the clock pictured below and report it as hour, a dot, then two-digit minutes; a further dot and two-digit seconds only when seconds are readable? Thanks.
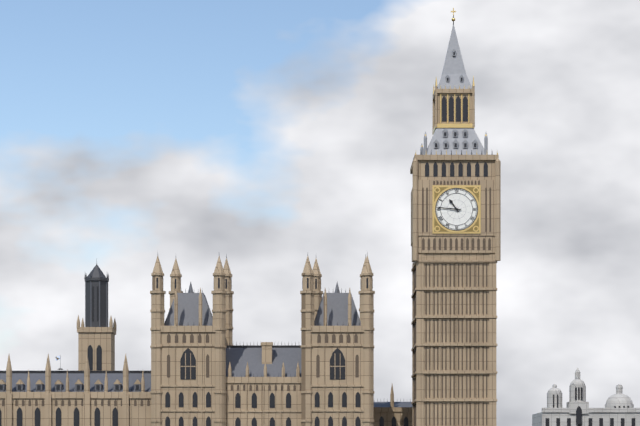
10.46
